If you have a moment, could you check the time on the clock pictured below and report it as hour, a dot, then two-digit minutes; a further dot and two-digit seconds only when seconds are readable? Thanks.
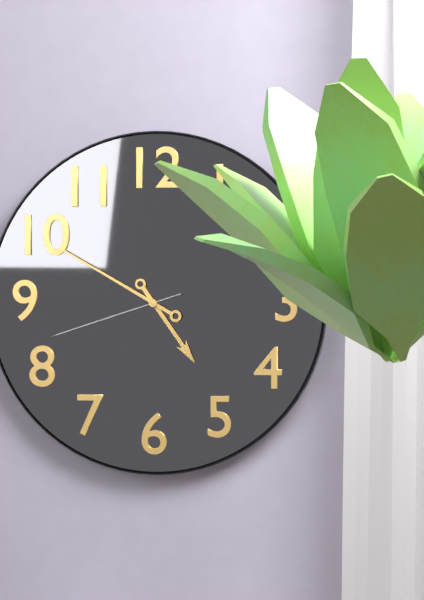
4.50.42
